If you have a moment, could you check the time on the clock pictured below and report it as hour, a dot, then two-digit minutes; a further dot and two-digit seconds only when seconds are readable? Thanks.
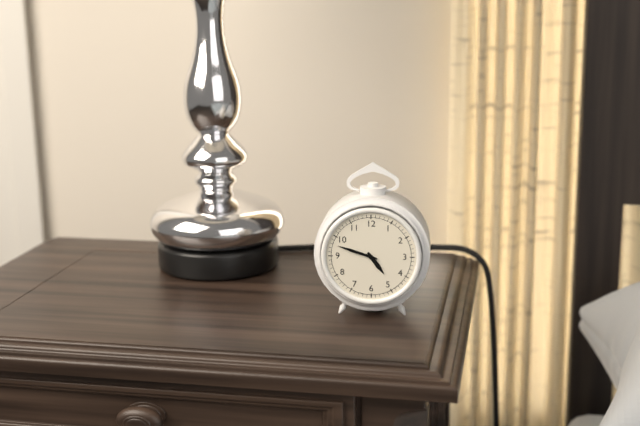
4.48
